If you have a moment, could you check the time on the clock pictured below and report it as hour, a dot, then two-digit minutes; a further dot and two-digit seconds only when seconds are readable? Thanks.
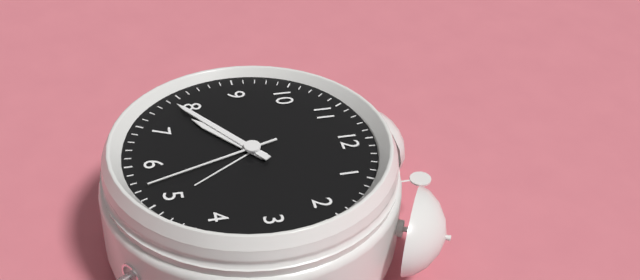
7.39.27
